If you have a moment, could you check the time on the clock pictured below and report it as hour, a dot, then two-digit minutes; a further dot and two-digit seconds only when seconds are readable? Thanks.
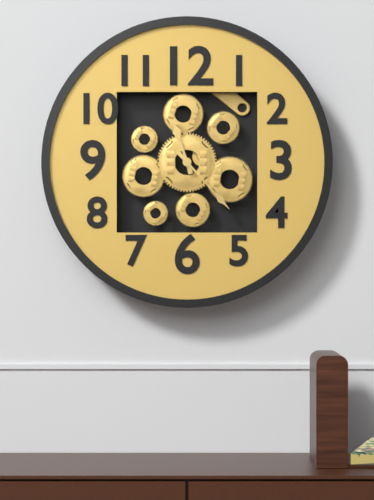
11.23
